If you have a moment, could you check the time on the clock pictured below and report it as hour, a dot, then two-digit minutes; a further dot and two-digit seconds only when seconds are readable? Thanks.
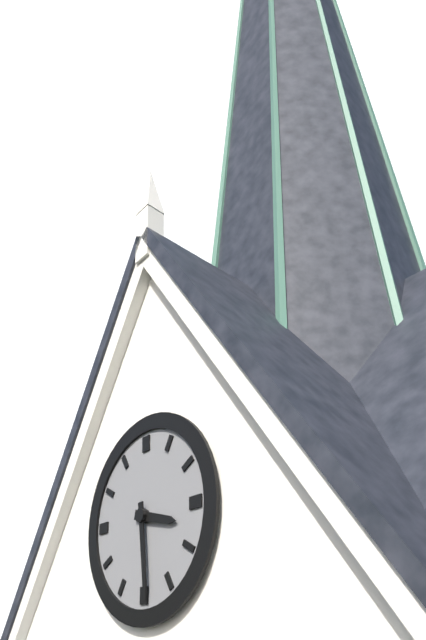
3.29
